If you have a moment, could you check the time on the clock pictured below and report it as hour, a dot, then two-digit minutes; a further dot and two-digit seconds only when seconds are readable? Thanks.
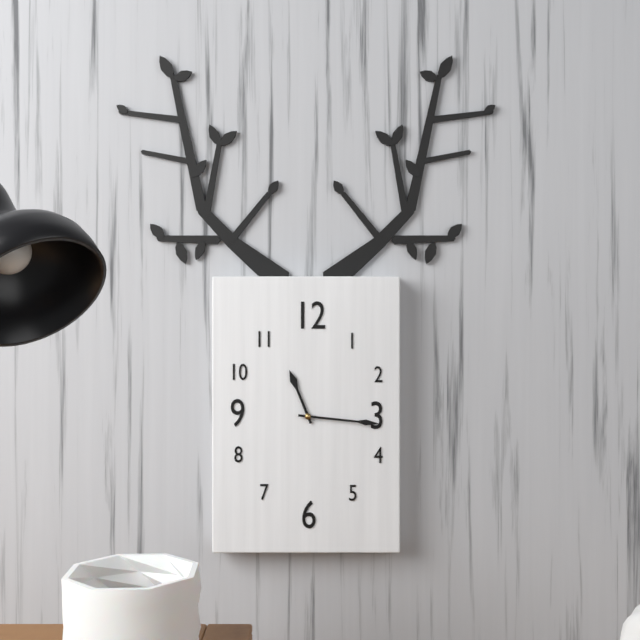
11.16
